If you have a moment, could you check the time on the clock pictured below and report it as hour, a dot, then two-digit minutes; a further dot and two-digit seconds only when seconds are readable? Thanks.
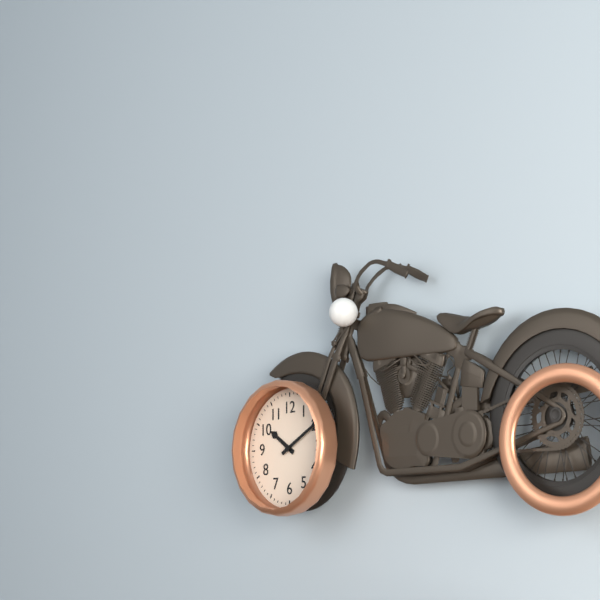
10.10
